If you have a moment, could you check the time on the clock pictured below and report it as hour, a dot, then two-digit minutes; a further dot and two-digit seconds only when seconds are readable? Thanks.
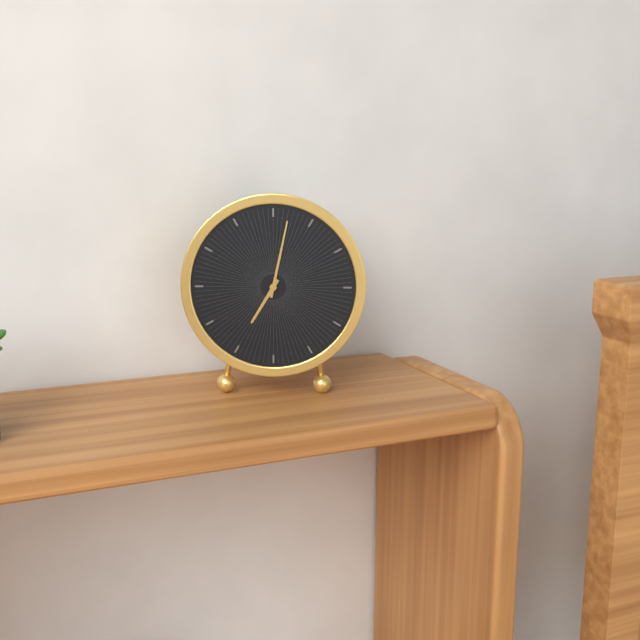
7.02
